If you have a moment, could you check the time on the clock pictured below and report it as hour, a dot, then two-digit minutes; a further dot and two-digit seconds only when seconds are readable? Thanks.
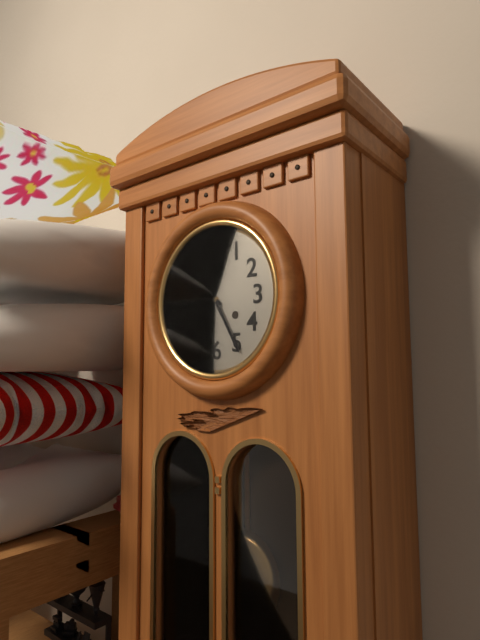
10.25
